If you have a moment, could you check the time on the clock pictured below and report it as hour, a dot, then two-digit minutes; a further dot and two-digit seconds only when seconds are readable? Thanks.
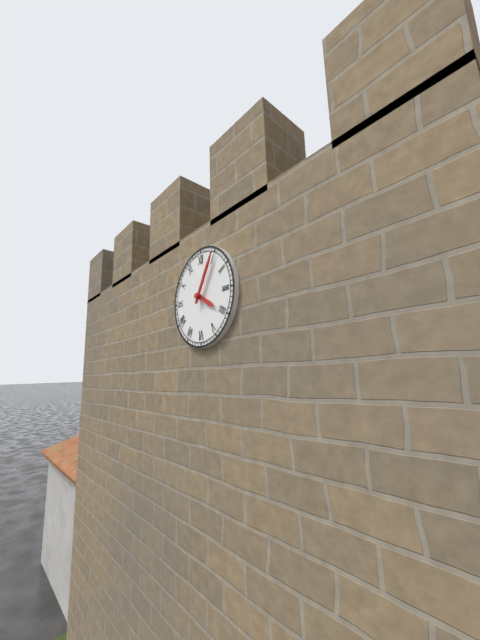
4.05
